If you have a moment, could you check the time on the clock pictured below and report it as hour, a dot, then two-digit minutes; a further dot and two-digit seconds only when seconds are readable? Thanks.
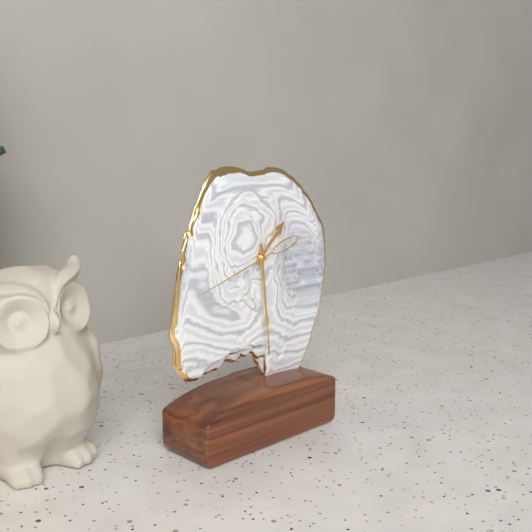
1.29.42
